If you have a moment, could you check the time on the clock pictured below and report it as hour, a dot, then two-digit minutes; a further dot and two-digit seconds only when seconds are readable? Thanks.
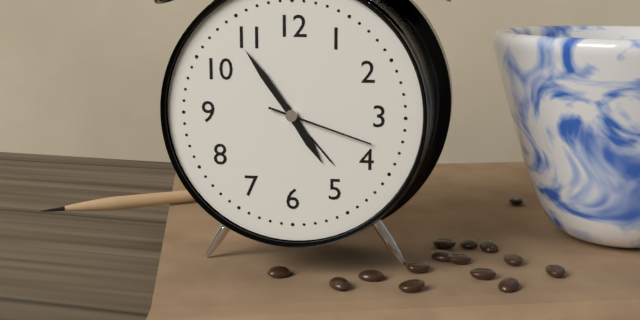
4.54.18
